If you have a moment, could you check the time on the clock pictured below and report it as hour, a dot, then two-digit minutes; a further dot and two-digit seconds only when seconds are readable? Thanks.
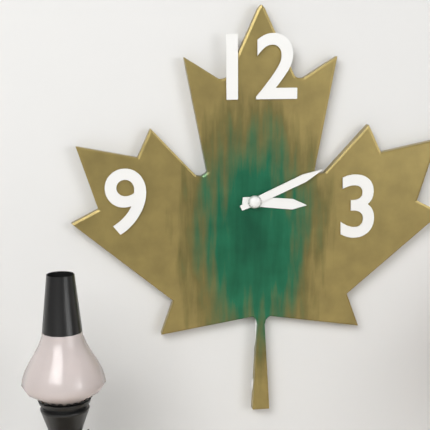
3.11
